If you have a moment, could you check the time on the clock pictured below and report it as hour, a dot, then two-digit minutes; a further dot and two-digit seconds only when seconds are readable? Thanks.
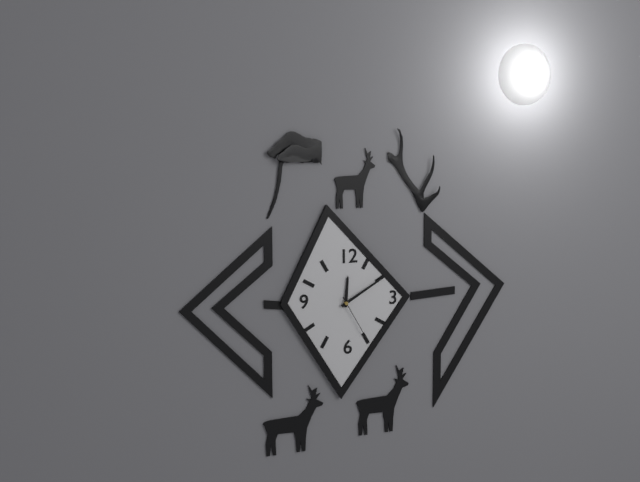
12.10.25
